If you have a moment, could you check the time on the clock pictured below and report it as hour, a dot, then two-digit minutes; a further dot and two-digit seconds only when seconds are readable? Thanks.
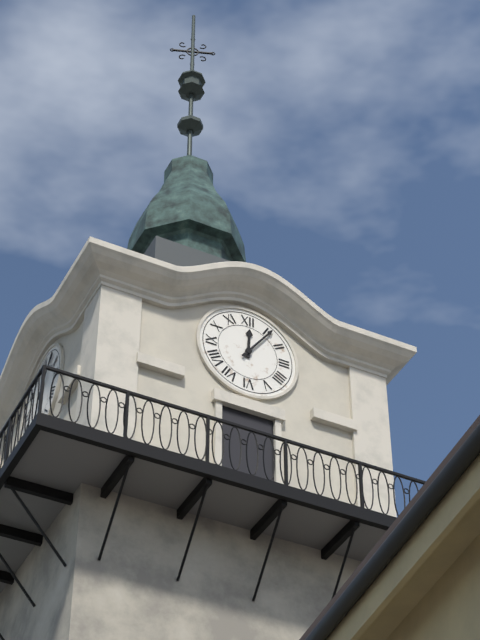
12.06
